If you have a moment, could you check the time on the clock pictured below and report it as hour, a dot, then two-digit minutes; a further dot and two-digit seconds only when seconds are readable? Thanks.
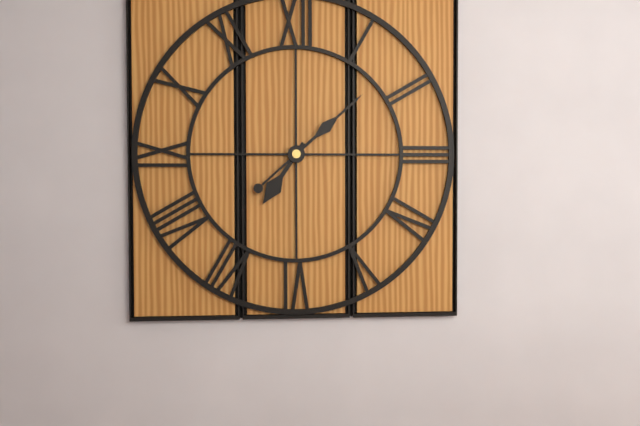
7.08
